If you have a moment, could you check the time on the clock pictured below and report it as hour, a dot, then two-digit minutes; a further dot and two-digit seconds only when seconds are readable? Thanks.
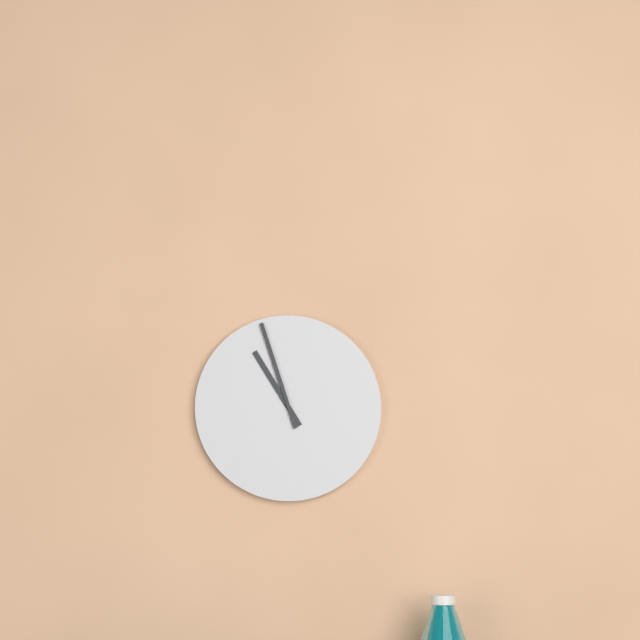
10.57
